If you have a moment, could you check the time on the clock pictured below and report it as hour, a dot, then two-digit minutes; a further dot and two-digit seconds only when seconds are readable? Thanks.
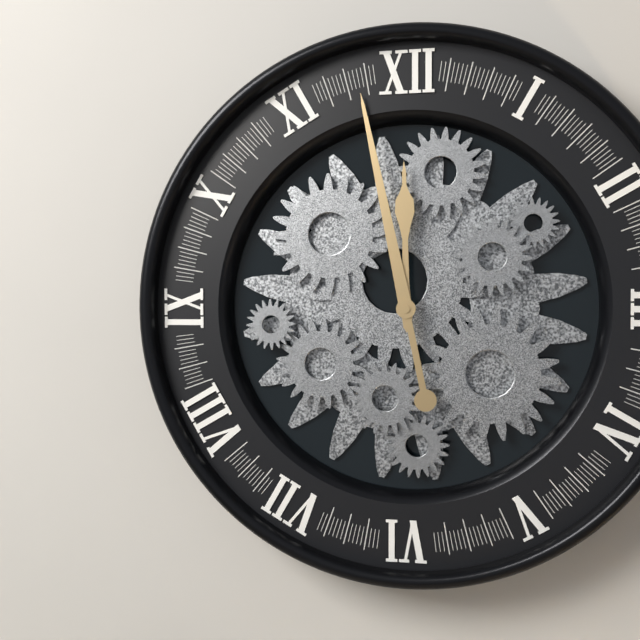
11.58
